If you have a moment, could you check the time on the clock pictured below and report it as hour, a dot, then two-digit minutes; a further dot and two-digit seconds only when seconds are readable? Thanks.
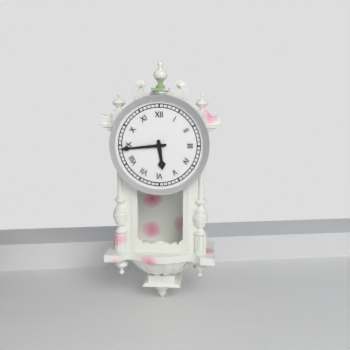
5.44
